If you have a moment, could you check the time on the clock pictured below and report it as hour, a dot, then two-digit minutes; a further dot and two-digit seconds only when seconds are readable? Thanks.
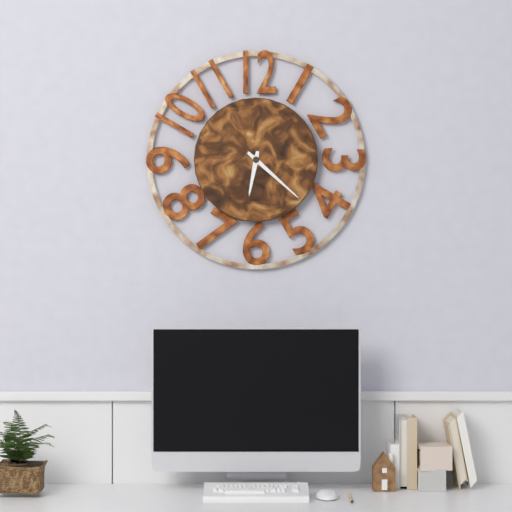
6.22
